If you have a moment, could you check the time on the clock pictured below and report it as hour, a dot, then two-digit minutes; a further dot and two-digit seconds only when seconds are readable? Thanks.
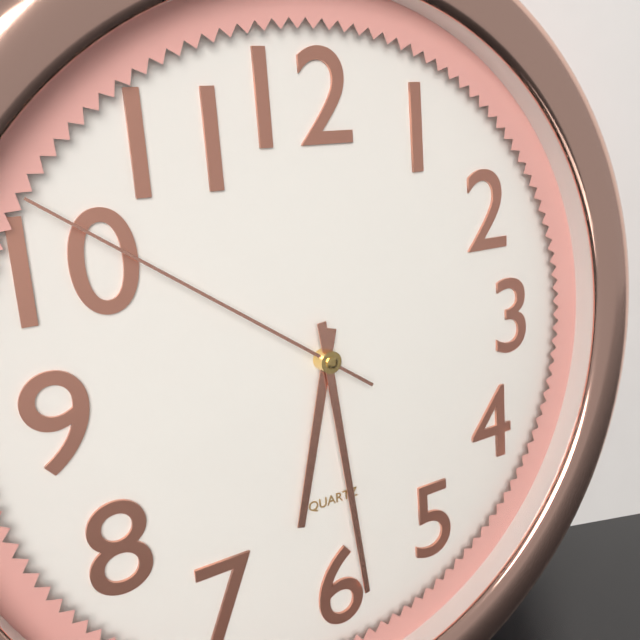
6.29.51
